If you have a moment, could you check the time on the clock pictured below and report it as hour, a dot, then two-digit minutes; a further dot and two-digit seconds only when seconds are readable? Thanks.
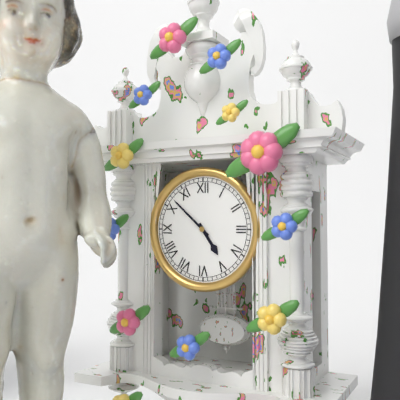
4.52
